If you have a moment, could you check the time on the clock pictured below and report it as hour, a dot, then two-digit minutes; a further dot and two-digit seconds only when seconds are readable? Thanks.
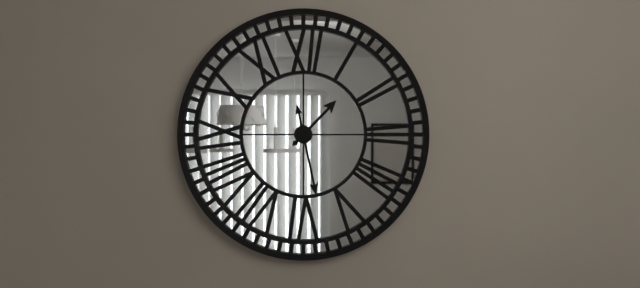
1.28
